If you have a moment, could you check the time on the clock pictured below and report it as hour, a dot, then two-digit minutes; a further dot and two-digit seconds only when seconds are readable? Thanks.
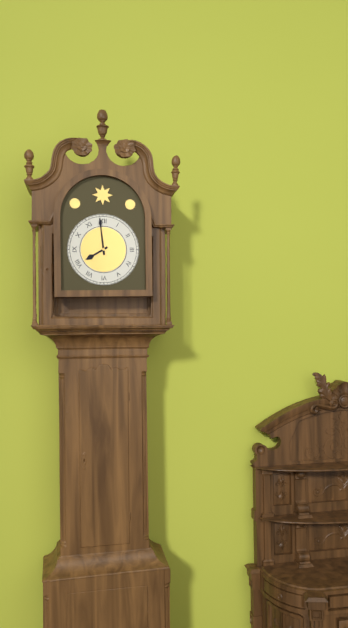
7.59
